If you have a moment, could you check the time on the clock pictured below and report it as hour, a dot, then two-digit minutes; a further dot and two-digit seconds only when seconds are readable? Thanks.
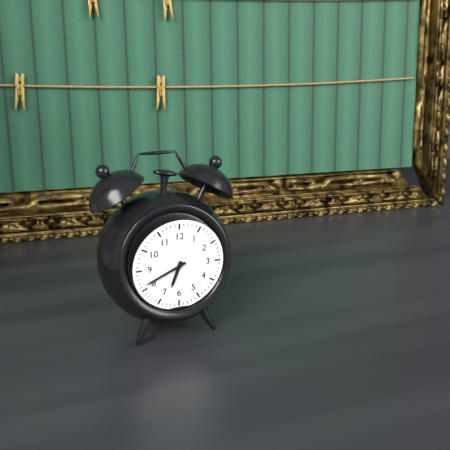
6.41
